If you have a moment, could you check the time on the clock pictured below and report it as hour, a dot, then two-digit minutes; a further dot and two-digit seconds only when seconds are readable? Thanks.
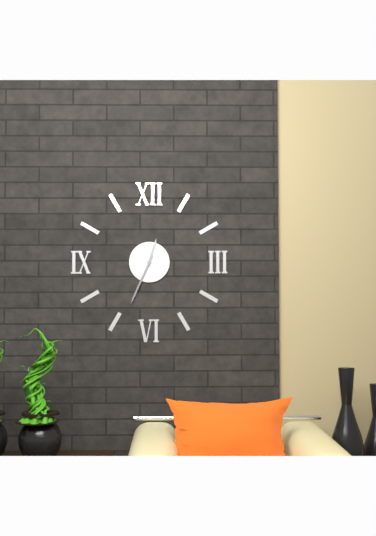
12.34
